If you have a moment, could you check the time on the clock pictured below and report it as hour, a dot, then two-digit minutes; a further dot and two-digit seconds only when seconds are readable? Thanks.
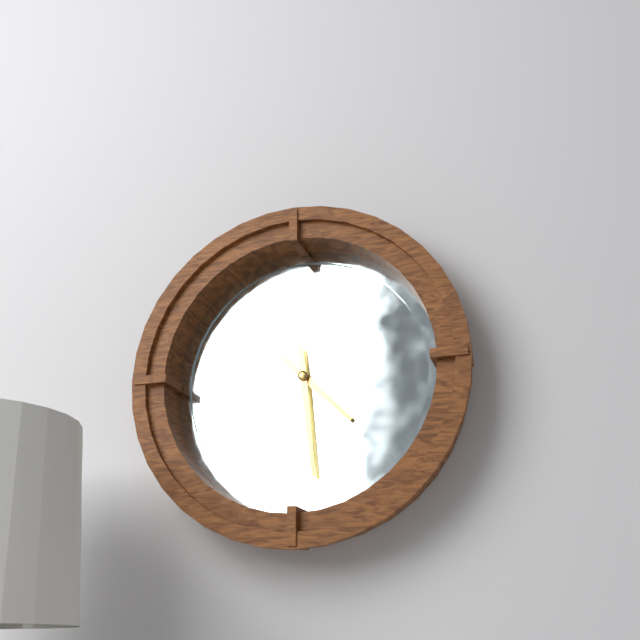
4.29
